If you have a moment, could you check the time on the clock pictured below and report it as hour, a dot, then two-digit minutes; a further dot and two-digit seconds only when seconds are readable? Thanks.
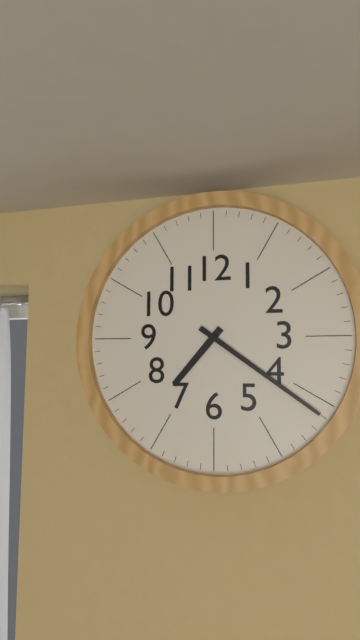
7.21
